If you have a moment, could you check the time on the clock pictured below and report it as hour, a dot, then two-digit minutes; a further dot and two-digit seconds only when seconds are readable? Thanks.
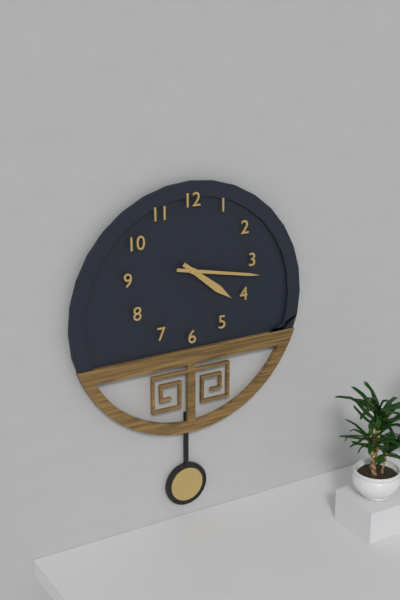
4.17
